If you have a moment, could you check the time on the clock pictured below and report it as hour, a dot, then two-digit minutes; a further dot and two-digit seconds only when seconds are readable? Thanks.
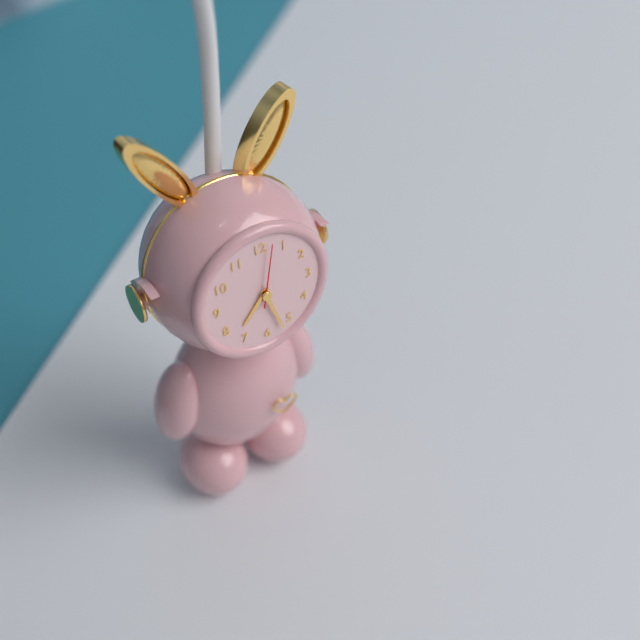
7.27.02
